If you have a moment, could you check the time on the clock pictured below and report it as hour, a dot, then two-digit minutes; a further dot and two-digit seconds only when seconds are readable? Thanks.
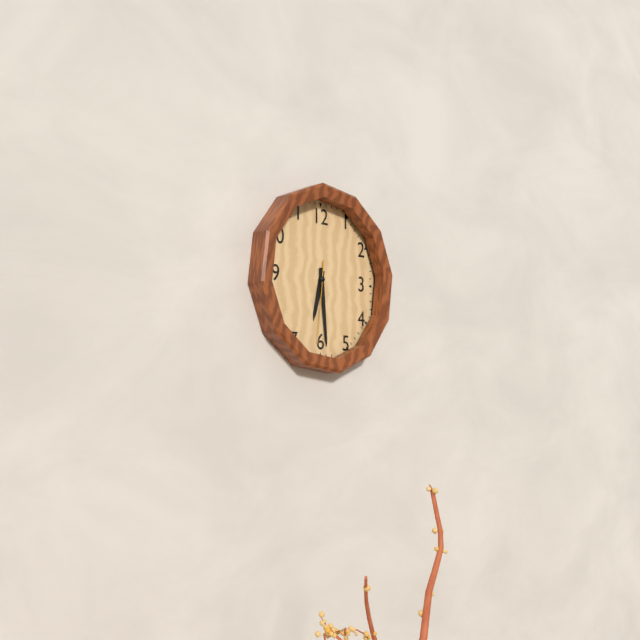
6.29.31
